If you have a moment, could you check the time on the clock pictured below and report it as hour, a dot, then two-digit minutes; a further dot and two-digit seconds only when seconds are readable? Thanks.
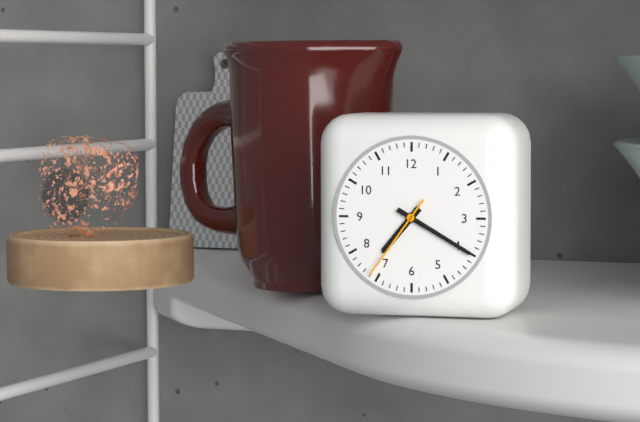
7.20.36
